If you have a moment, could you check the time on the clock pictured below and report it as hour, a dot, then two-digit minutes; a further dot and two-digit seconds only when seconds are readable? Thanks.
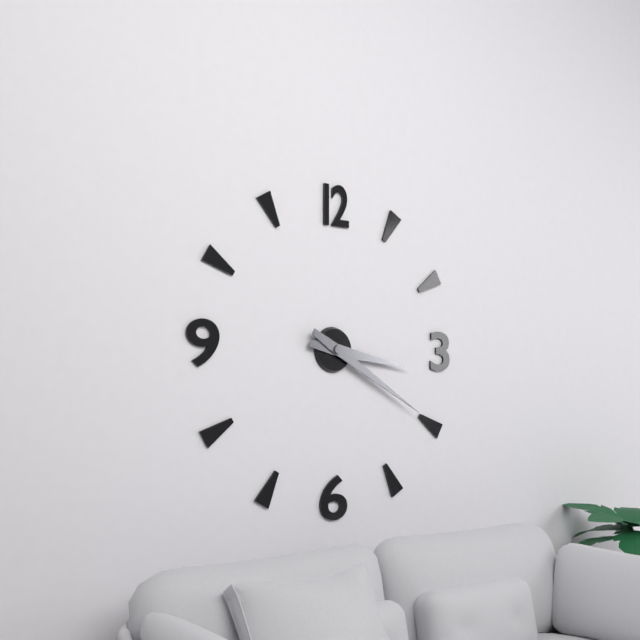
3.20
